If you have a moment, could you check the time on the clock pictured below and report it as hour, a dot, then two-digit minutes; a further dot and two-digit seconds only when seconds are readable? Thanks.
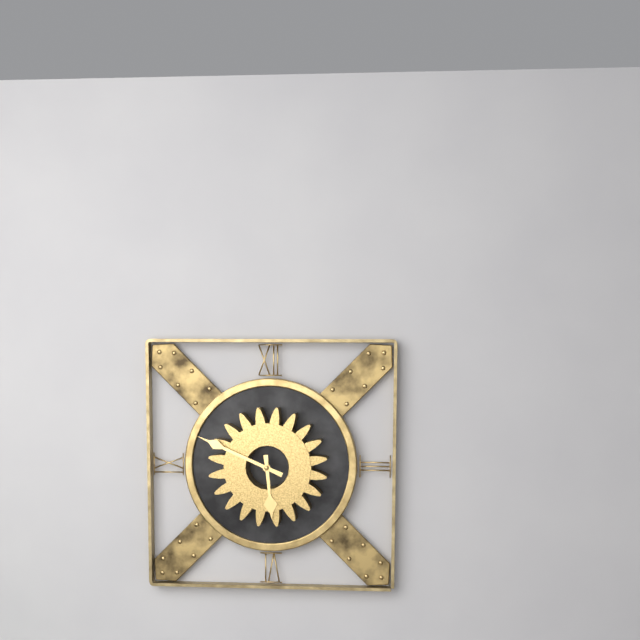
5.49
